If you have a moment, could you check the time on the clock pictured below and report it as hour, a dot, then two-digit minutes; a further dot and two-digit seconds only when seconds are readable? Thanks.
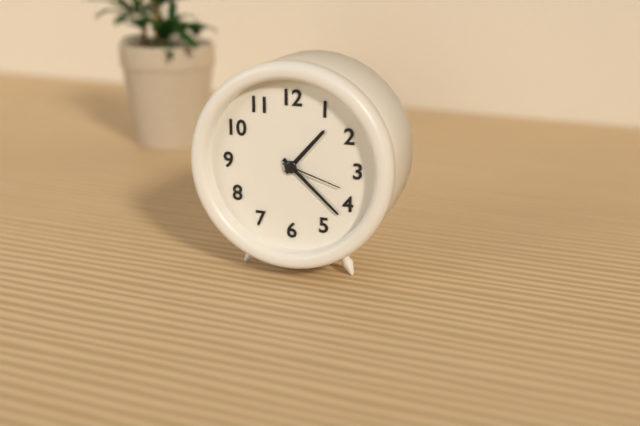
1.22.18
